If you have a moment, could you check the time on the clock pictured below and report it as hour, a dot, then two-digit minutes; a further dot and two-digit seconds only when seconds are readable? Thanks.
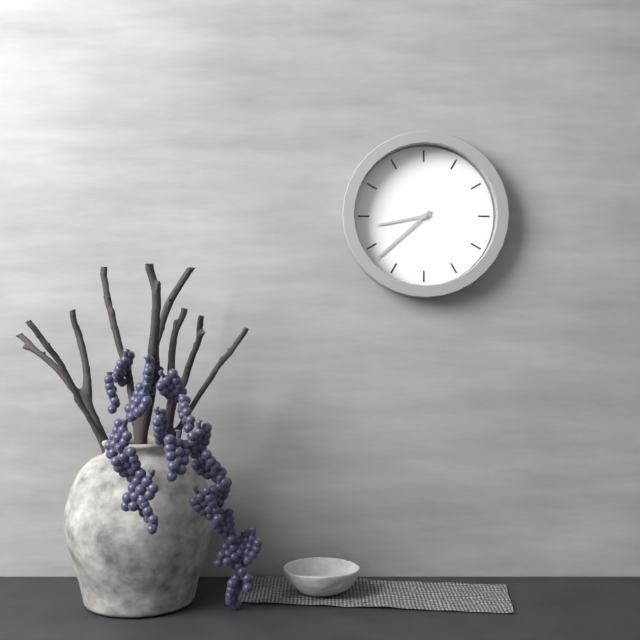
8.38
